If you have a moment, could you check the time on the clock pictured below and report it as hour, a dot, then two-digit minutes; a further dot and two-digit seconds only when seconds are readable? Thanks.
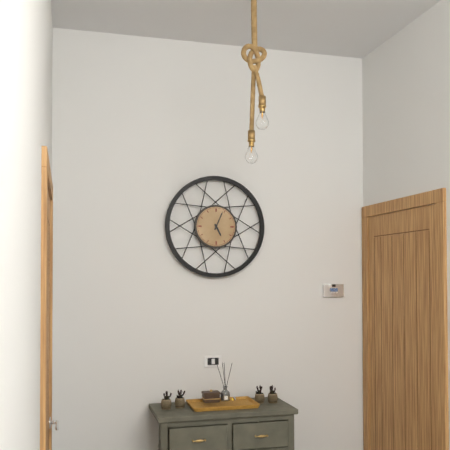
5.04
